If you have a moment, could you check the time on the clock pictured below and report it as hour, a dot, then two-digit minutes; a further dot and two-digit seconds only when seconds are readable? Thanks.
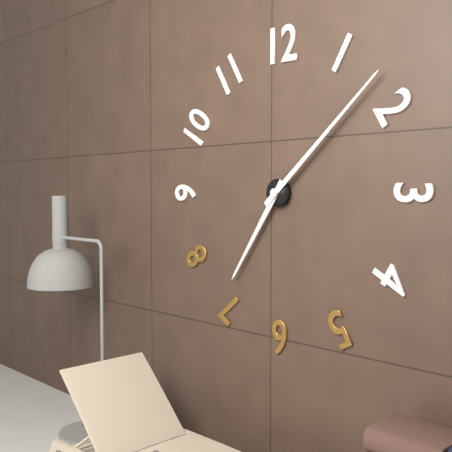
7.08
